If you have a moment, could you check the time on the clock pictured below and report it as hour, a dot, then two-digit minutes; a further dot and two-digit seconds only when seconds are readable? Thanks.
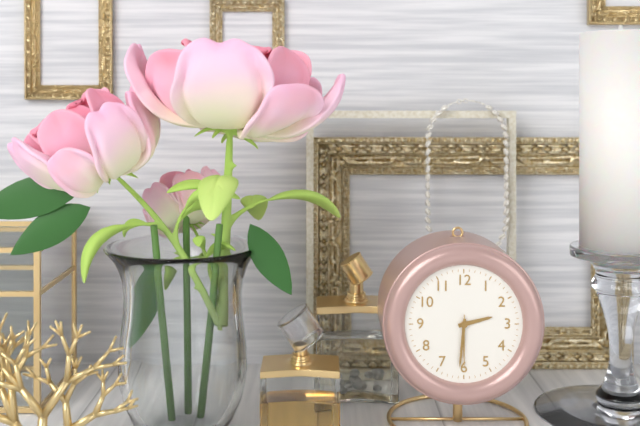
2.31.30
